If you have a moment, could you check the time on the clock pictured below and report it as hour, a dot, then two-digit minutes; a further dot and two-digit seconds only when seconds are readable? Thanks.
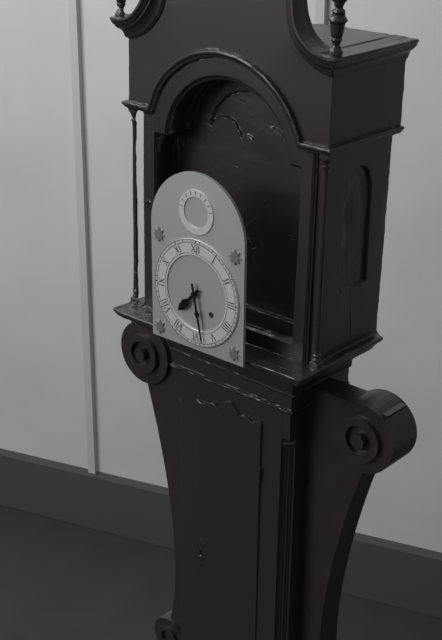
7.28
